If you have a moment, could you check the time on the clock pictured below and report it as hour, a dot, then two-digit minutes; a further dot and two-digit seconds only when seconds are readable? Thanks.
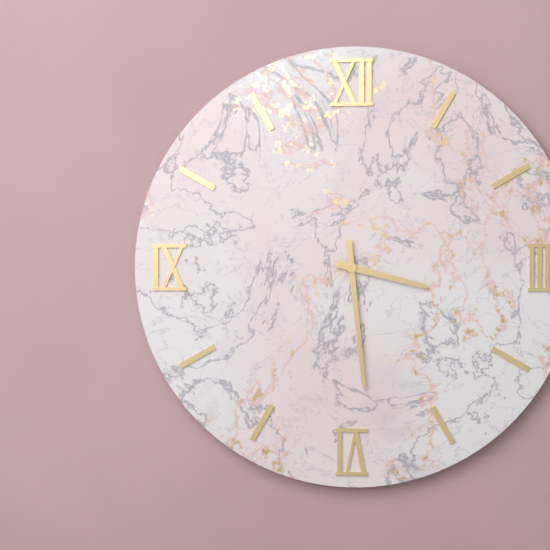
3.29
